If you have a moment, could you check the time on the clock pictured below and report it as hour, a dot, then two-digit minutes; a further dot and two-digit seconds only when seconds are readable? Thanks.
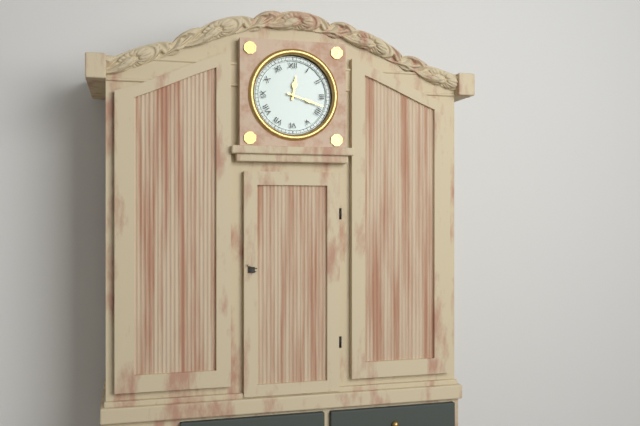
12.18
